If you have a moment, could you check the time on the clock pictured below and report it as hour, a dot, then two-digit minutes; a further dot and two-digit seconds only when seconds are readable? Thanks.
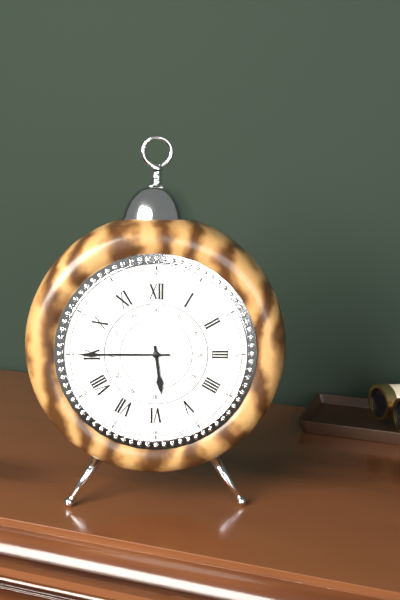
5.45
